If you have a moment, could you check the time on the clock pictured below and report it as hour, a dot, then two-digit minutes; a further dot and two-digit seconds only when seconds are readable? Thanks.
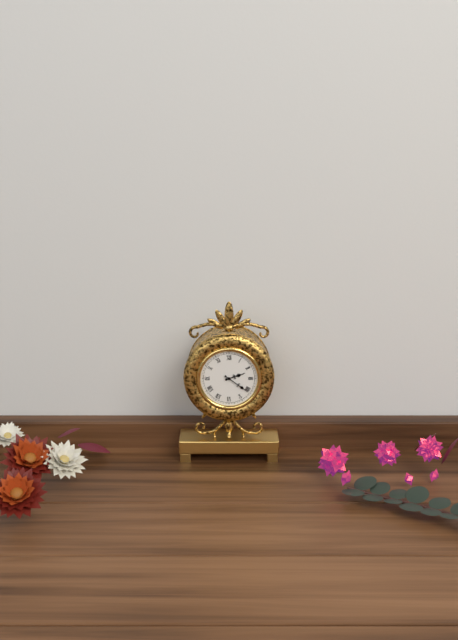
2.21
